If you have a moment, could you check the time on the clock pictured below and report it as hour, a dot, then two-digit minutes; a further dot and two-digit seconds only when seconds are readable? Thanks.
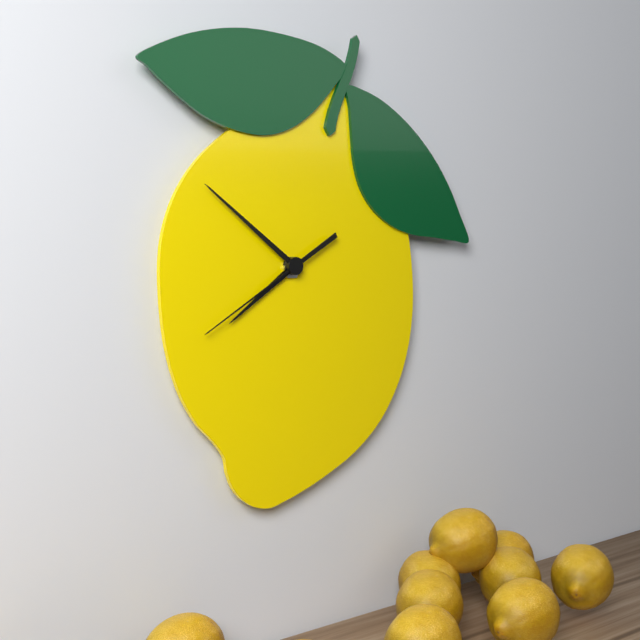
7.51.40
